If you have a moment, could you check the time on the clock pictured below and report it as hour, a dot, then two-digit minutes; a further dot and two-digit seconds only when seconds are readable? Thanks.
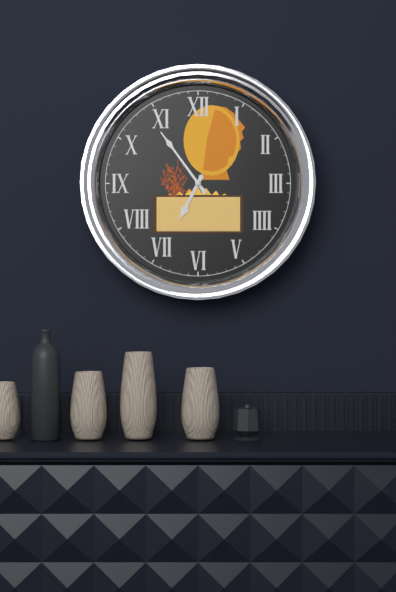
6.54
